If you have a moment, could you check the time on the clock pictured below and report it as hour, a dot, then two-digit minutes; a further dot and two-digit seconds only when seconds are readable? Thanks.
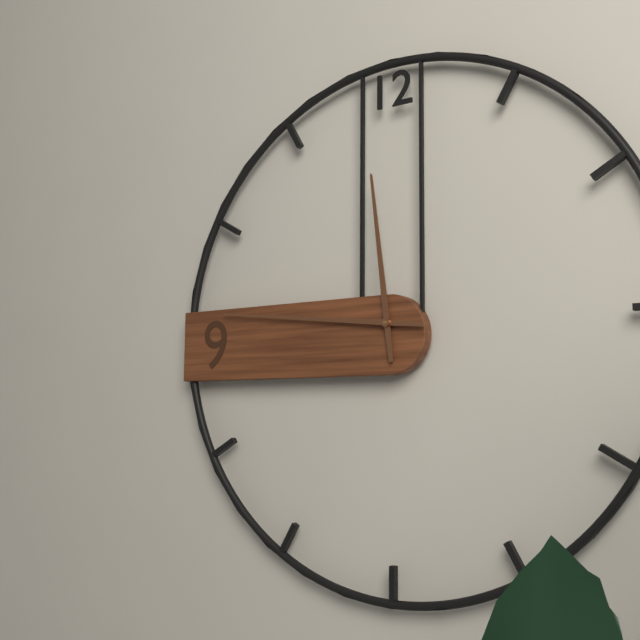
11.46
